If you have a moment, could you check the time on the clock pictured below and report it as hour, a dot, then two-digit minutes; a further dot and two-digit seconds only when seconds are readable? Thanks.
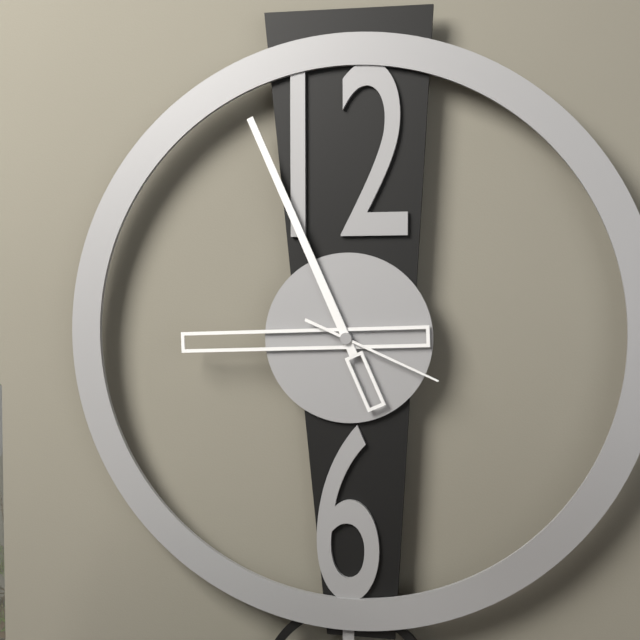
8.56.19
